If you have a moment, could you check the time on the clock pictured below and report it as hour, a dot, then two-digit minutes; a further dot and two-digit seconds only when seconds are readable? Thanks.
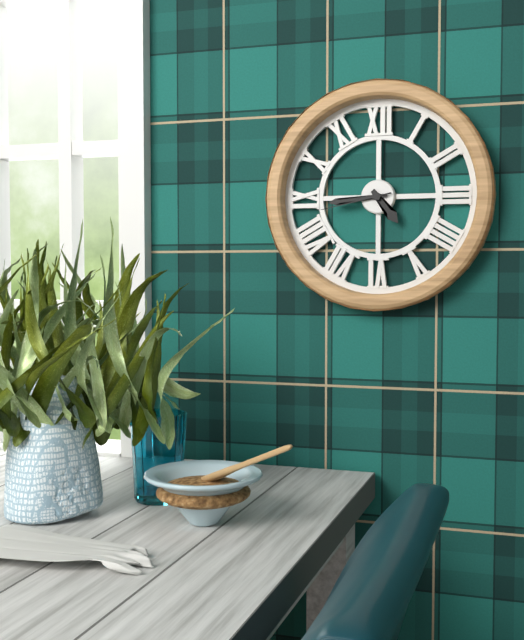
4.44.43
